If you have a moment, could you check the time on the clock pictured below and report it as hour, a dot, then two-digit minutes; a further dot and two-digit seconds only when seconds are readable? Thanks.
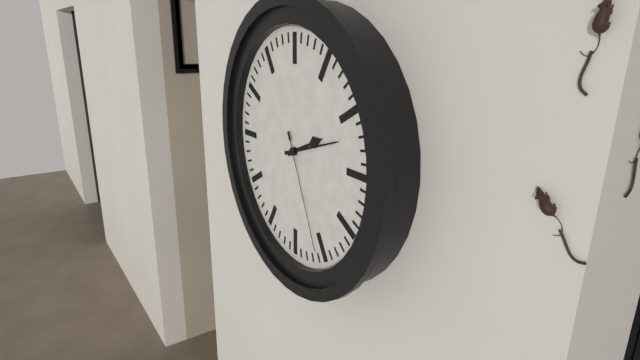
2.12.26
